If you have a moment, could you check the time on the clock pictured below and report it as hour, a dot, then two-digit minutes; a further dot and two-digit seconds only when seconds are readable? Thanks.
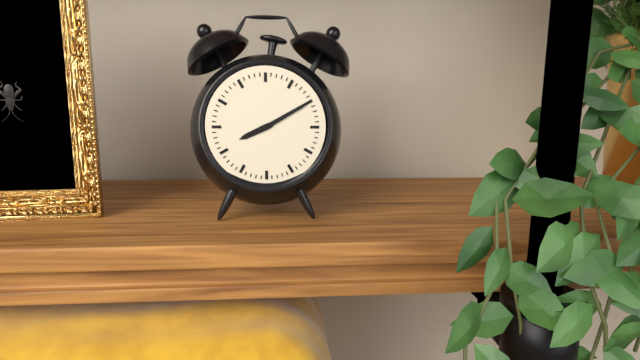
8.10
